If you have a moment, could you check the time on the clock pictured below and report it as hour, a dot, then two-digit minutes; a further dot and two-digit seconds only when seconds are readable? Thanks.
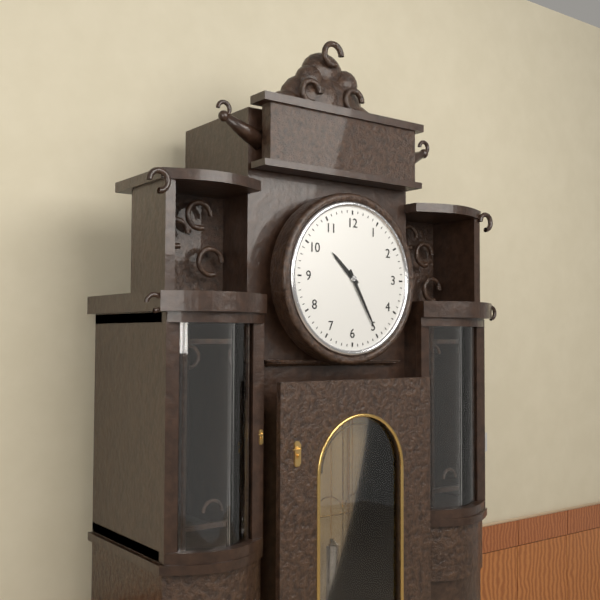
10.25
